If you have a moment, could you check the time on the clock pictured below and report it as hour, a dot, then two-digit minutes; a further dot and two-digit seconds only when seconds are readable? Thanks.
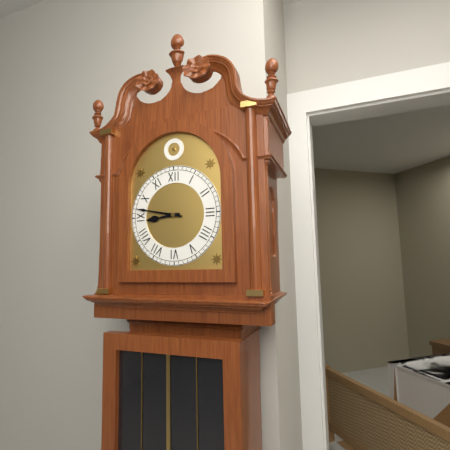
8.47
